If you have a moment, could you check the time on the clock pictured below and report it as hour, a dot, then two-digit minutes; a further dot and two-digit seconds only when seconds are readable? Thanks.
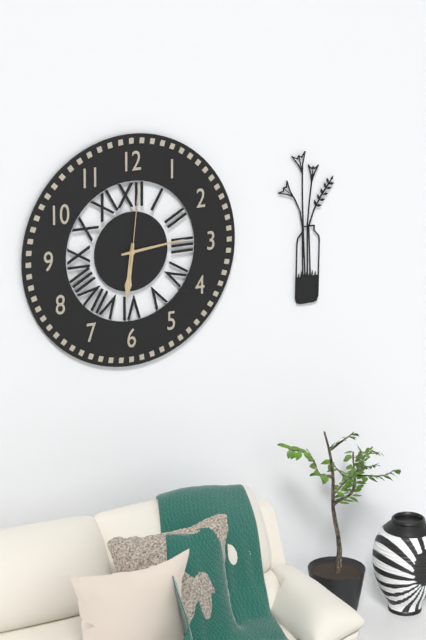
6.14.01
